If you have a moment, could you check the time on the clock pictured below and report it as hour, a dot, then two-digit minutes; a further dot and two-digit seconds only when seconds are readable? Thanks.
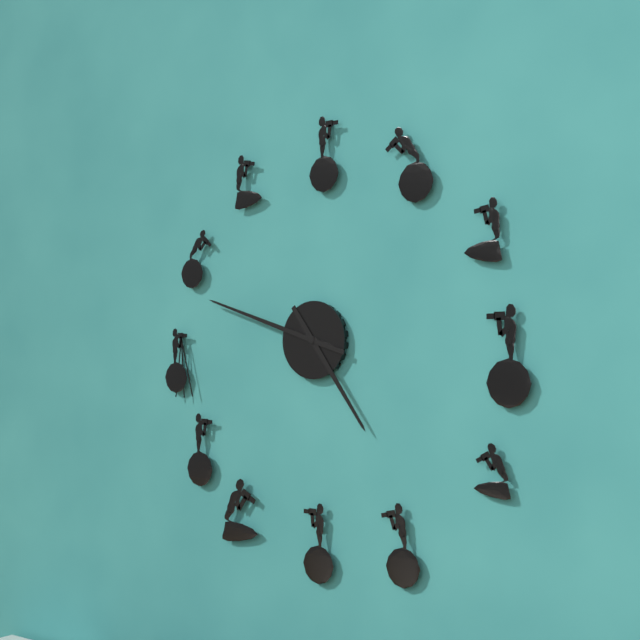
4.48
